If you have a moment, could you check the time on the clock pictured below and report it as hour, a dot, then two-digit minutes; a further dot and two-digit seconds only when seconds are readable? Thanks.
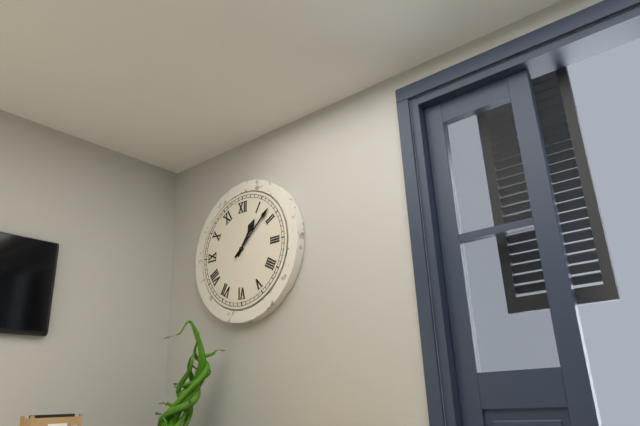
1.08
